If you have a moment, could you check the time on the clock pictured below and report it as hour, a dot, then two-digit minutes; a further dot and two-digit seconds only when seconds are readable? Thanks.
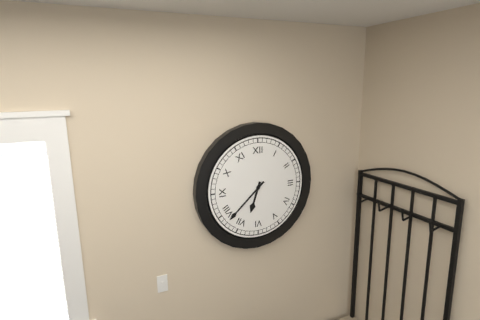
6.38
